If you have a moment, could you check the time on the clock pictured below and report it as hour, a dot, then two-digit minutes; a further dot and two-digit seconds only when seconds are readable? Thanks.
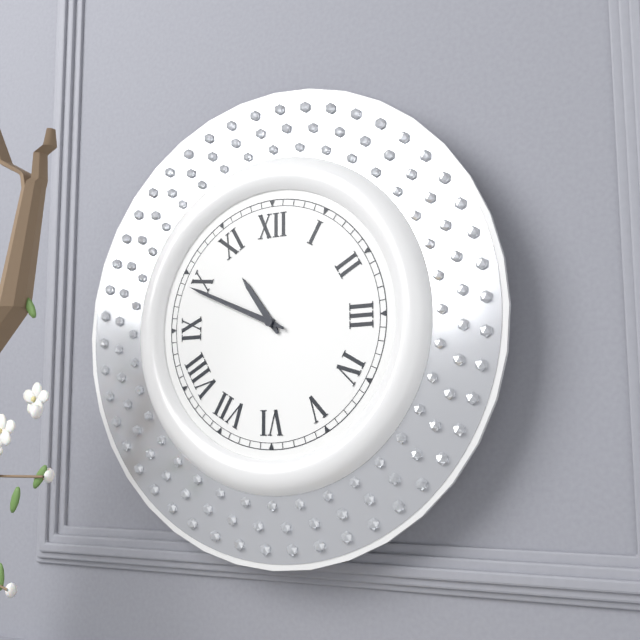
10.49
